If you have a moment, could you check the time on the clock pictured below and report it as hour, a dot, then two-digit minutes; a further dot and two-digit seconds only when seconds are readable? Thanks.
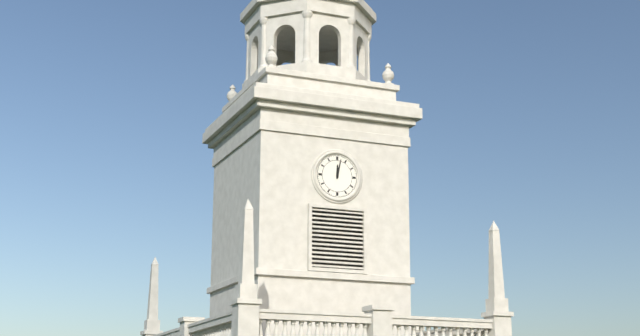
12.02
